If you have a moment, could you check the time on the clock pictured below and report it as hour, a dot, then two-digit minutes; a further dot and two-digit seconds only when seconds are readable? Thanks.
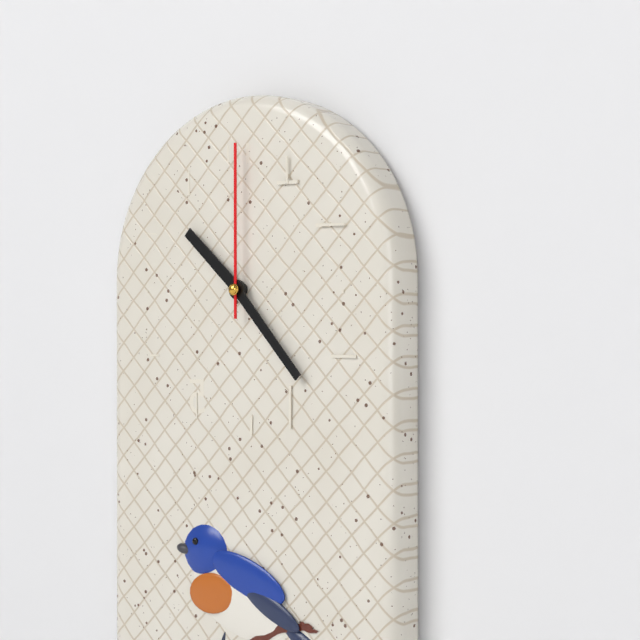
10.23.00
